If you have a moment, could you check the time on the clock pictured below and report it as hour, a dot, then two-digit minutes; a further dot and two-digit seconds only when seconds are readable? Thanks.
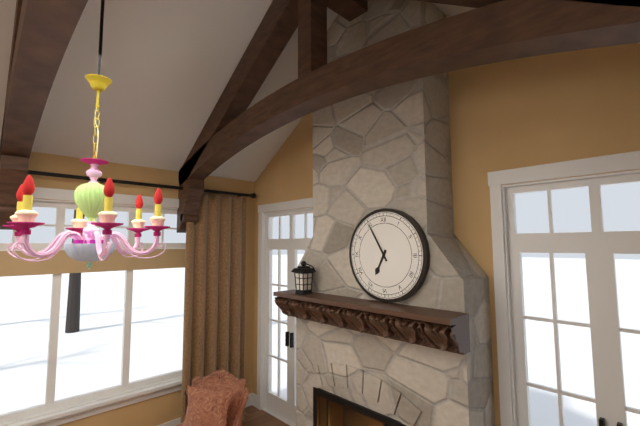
6.55
